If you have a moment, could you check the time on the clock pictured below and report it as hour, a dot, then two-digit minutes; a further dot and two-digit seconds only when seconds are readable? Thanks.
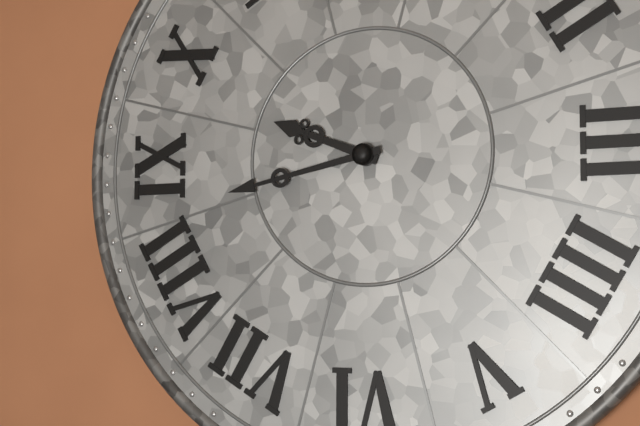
9.43
